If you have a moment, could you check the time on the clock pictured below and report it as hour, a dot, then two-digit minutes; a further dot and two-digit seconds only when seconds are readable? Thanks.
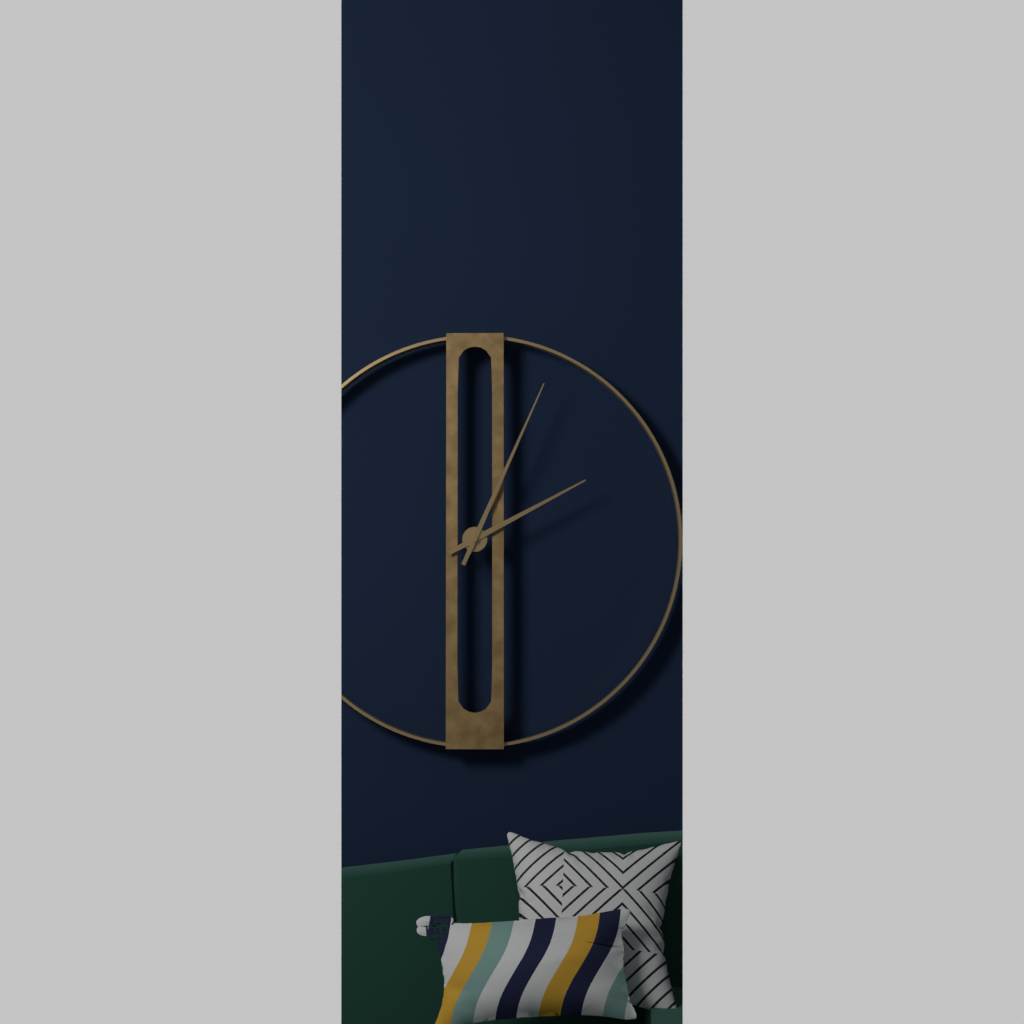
2.04
